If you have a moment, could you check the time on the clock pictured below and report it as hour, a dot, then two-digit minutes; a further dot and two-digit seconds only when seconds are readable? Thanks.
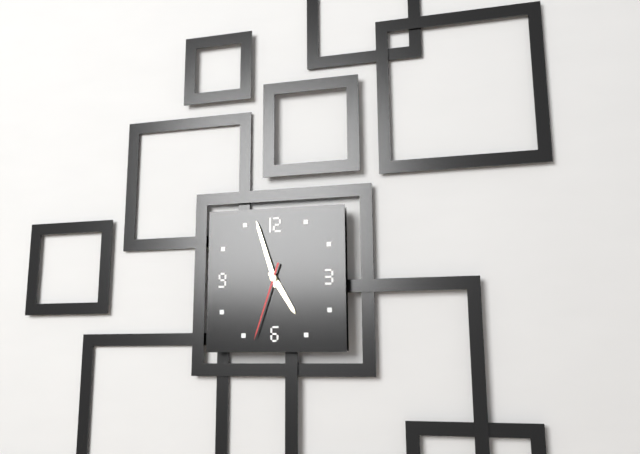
4.57.33
